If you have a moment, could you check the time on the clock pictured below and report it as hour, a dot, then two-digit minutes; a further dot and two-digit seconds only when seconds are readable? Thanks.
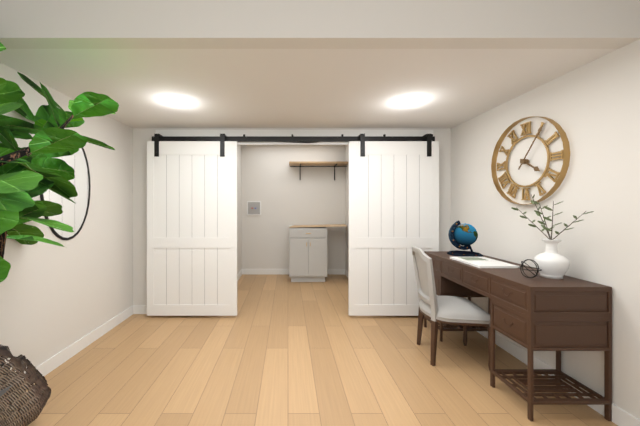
4.06
